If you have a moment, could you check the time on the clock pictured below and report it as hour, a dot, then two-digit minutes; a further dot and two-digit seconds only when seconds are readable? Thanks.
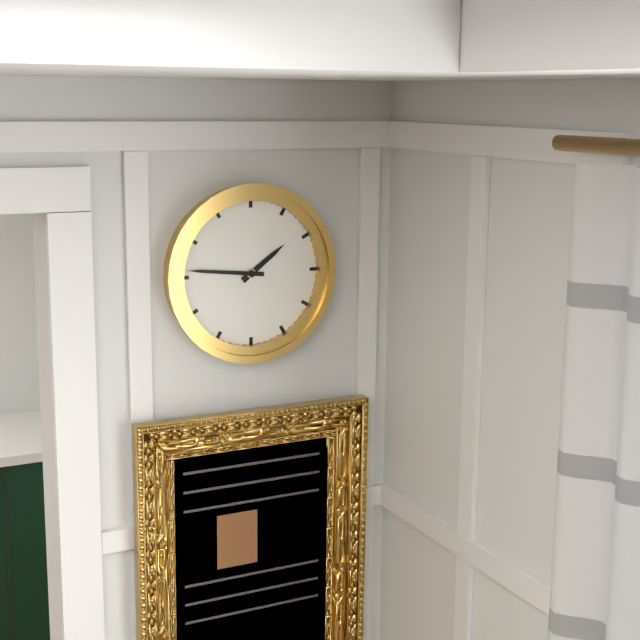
1.46
